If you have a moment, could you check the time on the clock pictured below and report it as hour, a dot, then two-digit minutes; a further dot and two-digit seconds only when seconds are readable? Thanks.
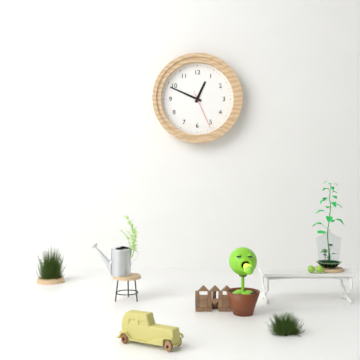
12.49
